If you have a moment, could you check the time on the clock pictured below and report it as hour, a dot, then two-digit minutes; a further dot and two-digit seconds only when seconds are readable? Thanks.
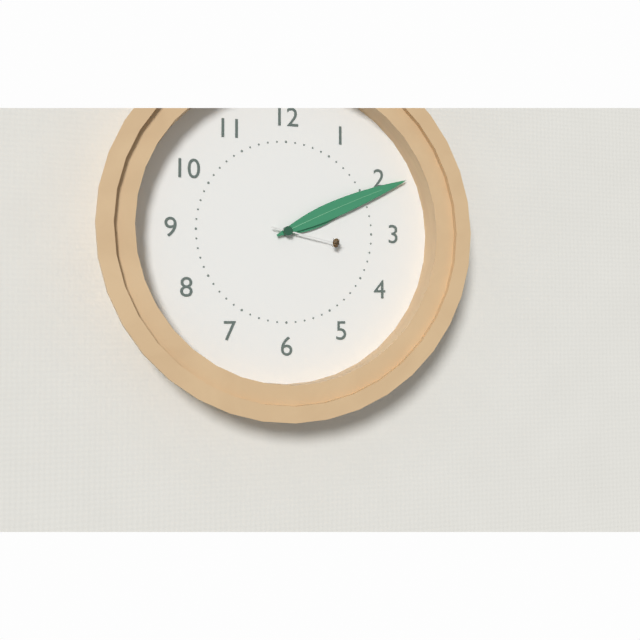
2.11.17
